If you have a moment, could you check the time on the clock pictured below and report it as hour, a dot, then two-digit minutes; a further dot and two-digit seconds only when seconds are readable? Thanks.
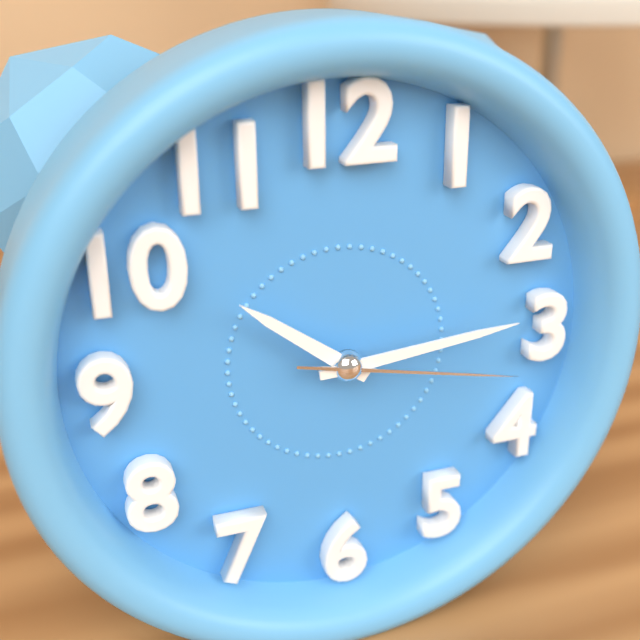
10.14.17
